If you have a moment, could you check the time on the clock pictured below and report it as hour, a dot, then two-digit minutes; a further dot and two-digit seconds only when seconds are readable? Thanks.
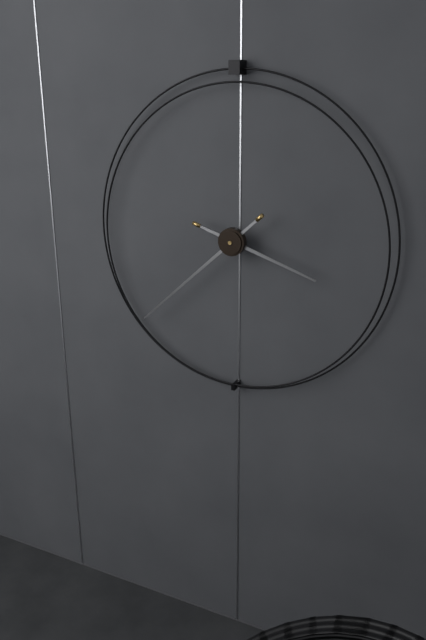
3.38
